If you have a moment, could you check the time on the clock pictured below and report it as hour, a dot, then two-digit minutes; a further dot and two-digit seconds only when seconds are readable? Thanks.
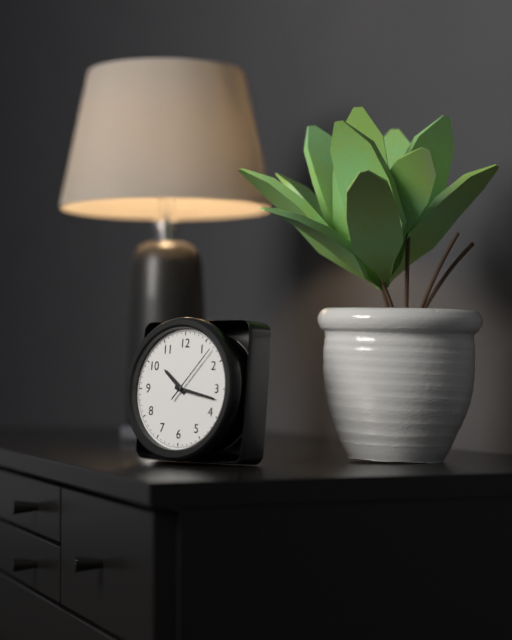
10.17.07
